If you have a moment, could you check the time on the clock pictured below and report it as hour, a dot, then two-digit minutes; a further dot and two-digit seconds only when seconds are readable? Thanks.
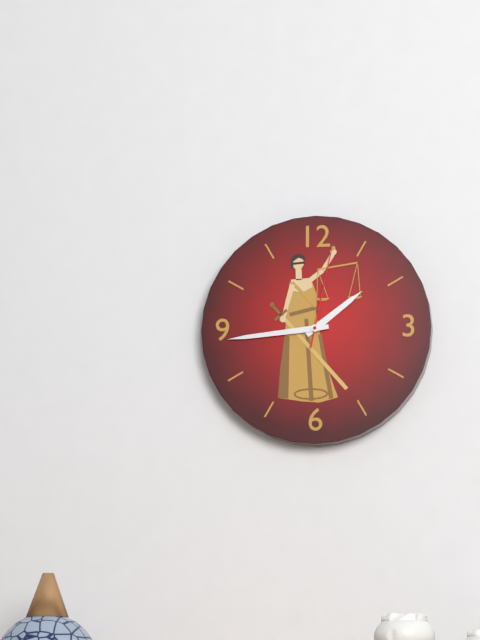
1.44.02
